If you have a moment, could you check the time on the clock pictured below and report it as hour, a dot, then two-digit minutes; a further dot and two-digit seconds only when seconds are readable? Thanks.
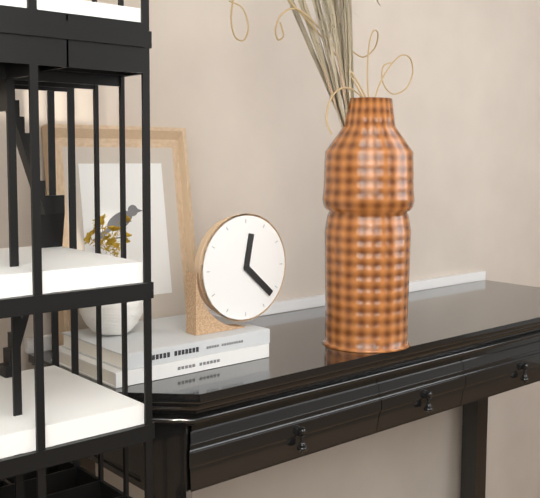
12.22
